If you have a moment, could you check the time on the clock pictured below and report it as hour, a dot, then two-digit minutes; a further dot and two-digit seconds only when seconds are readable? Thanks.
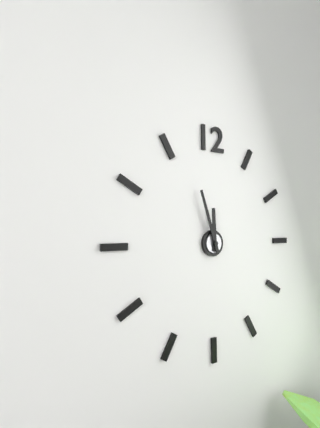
11.57
